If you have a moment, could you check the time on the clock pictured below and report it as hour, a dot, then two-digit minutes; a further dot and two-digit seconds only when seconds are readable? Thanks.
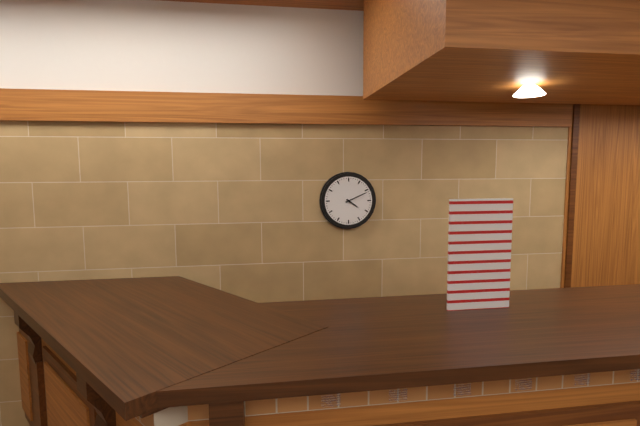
4.11
